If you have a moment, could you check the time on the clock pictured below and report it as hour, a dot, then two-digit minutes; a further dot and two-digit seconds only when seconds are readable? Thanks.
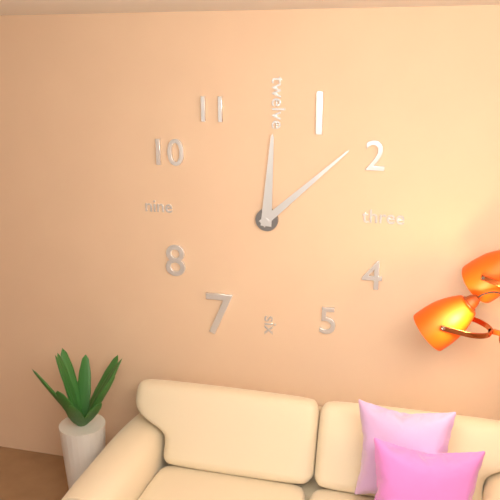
12.08
